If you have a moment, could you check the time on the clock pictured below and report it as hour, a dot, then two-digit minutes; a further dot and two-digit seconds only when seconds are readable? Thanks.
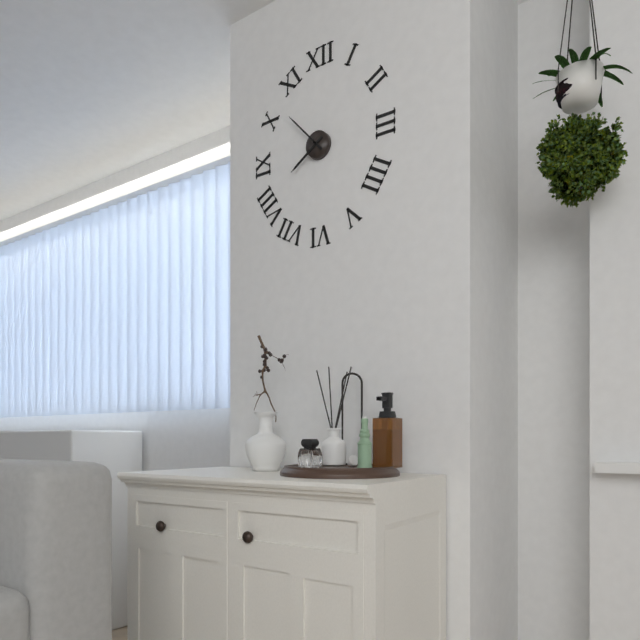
7.53
